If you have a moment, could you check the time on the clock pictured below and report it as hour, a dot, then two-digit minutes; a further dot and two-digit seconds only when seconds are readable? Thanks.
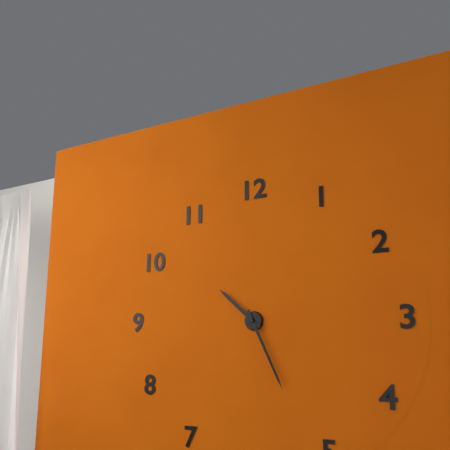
10.26
